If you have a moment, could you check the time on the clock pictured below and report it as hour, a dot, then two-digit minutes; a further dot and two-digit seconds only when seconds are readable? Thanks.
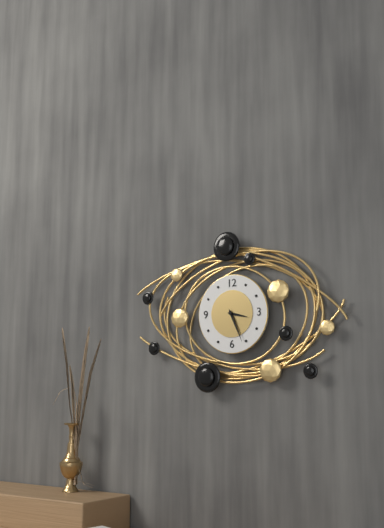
3.26
